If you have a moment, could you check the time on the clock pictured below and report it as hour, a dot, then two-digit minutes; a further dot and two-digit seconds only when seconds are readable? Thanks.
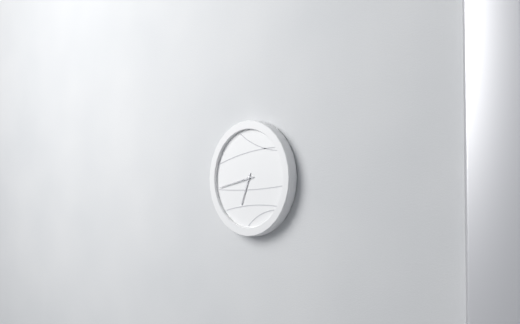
6.43
